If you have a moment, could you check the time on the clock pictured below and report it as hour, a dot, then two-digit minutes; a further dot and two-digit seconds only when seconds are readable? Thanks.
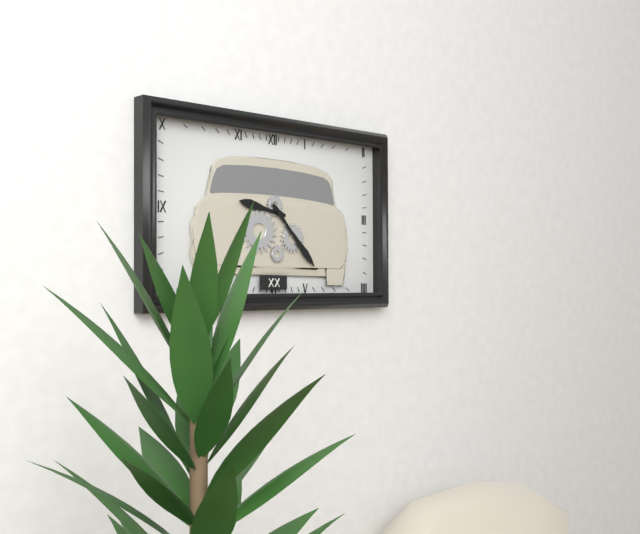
9.23
